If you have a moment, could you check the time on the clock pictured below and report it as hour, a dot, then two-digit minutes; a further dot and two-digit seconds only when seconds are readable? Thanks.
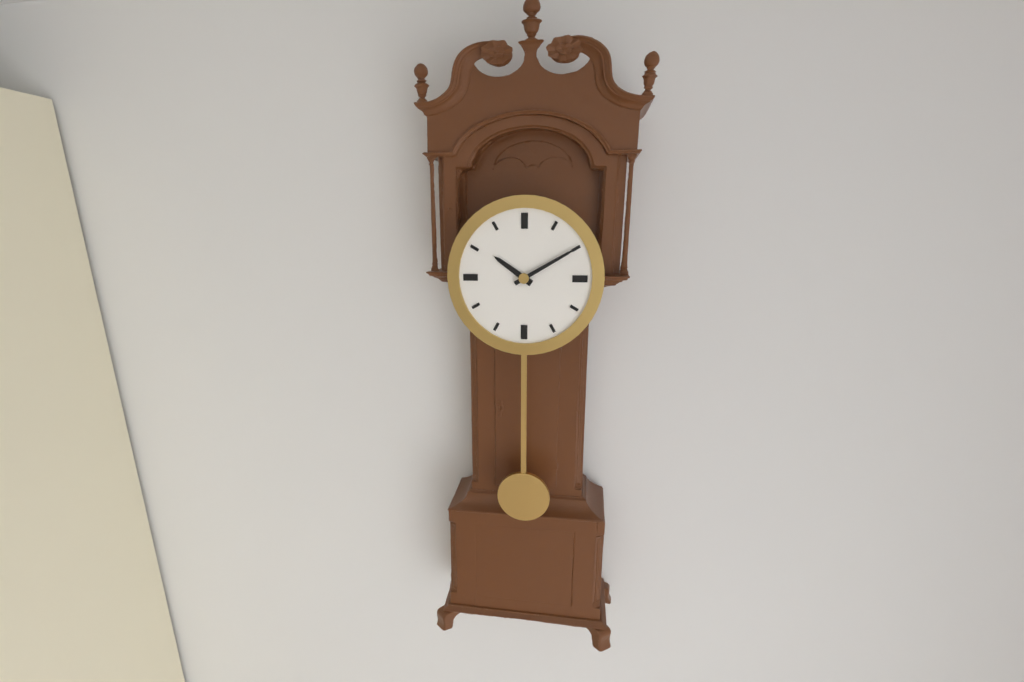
10.10
